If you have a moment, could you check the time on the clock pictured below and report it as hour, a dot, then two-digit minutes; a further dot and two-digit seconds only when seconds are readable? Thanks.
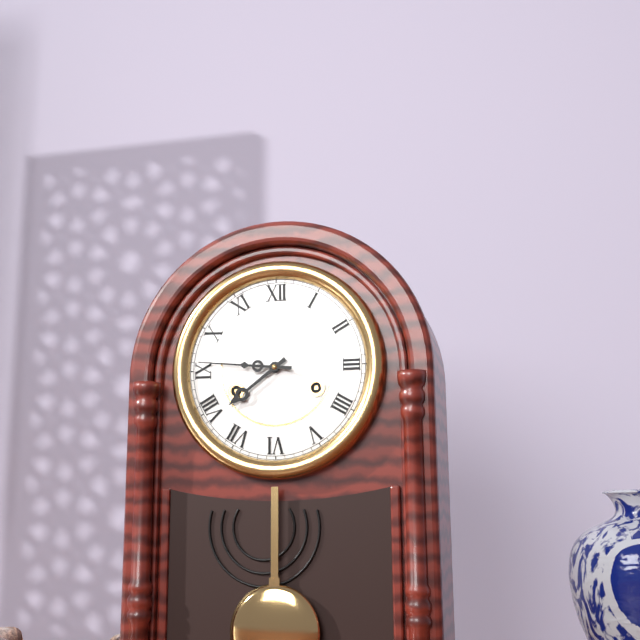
7.46
